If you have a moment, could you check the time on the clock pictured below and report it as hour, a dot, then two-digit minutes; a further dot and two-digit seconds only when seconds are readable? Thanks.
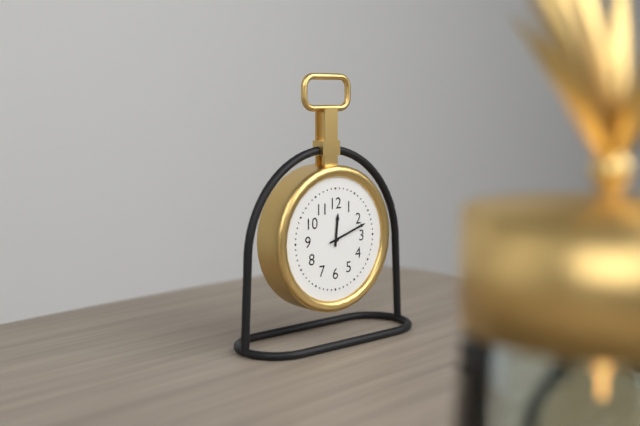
12.12
